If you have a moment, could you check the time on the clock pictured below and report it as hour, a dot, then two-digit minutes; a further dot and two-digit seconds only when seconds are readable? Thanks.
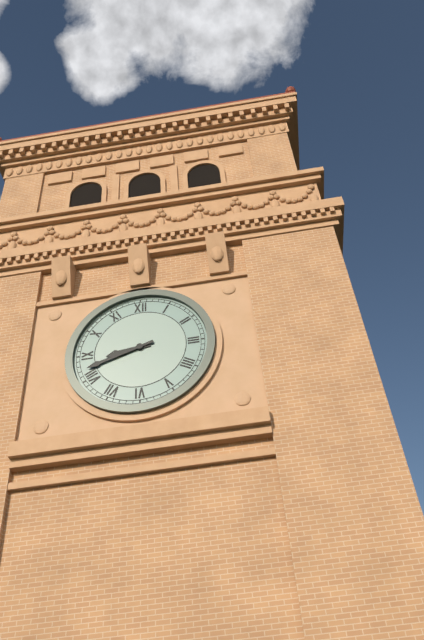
8.42
